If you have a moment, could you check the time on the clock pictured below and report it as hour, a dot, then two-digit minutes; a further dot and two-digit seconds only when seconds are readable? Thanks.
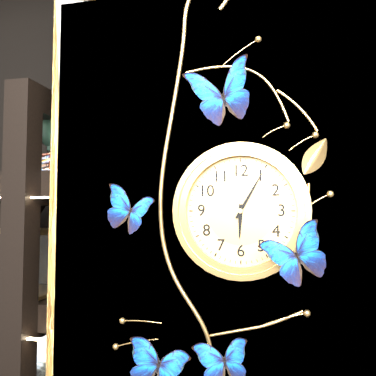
6.05
